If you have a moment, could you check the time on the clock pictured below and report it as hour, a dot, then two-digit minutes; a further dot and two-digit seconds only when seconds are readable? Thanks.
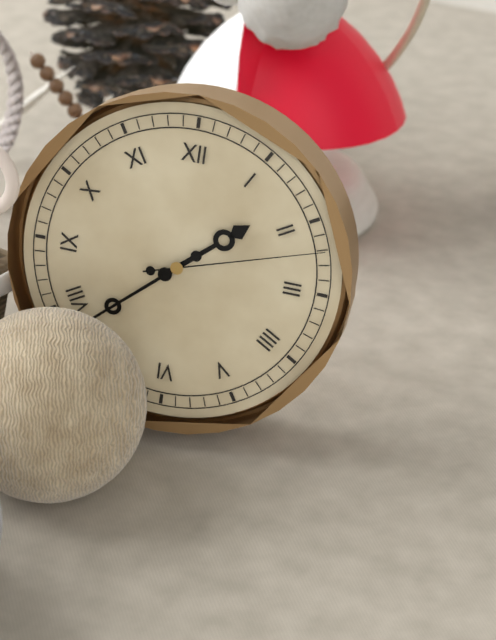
1.38.12
